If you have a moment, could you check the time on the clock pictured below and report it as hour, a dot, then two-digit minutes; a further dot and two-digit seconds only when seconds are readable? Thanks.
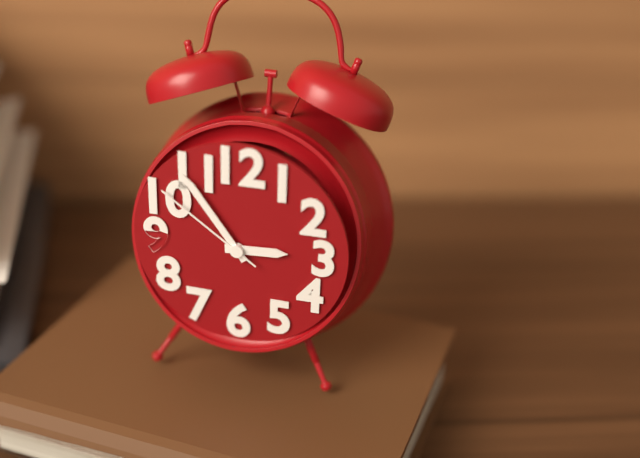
2.54.51
